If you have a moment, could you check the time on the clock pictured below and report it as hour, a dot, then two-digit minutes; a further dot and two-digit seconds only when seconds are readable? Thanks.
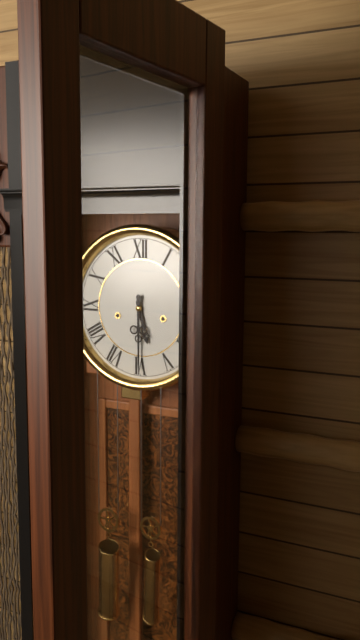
5.30
